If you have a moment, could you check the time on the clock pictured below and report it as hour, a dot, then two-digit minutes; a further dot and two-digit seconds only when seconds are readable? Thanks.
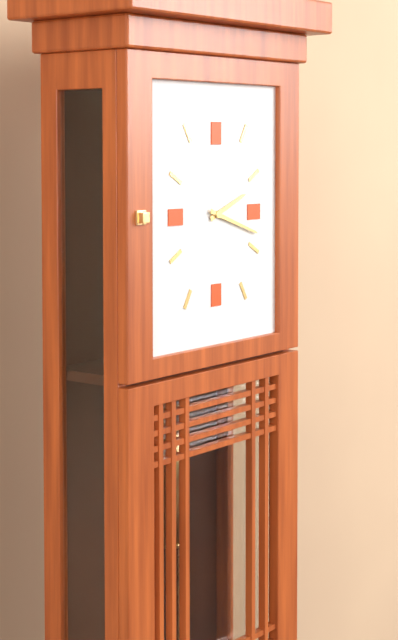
2.18
